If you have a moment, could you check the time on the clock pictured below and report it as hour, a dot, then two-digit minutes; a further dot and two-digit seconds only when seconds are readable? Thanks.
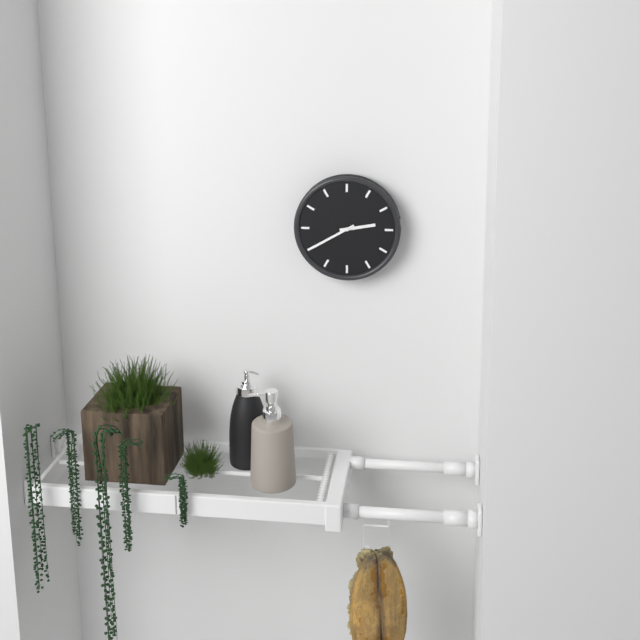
2.40
